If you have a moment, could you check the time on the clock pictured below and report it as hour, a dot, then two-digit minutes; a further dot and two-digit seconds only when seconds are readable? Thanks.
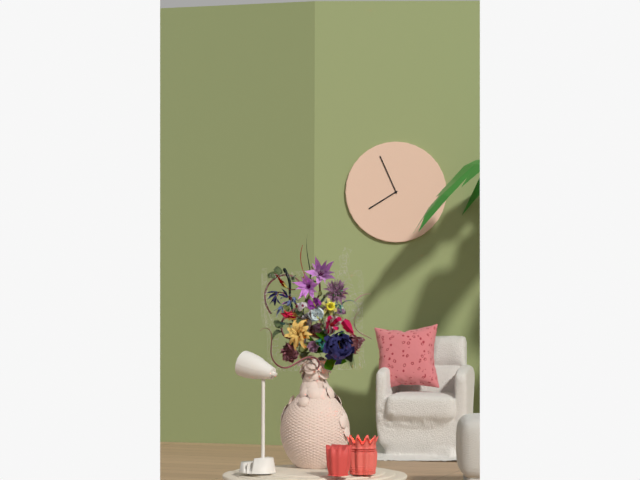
7.56
